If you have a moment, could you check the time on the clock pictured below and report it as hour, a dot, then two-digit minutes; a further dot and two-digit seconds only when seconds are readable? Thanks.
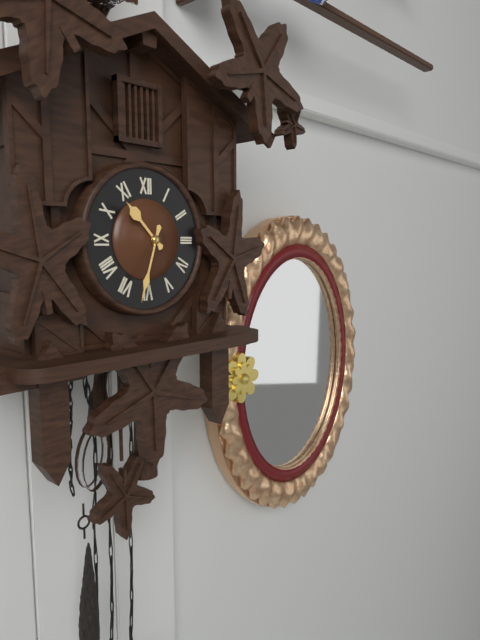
10.33
